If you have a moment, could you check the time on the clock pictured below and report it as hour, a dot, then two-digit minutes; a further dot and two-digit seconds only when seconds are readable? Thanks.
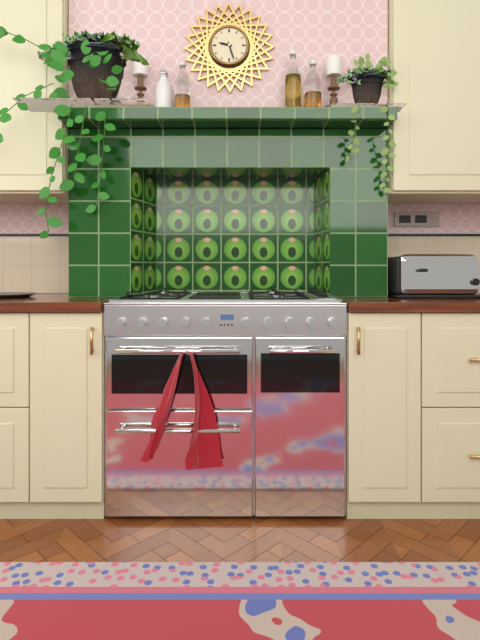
9.27
